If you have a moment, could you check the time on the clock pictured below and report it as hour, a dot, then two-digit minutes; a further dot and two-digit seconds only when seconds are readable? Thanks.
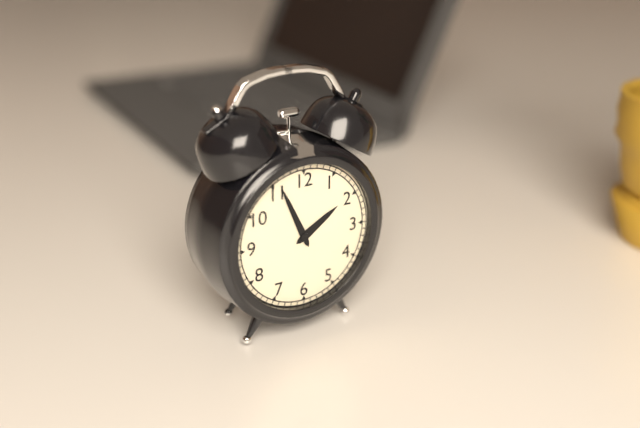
1.56
